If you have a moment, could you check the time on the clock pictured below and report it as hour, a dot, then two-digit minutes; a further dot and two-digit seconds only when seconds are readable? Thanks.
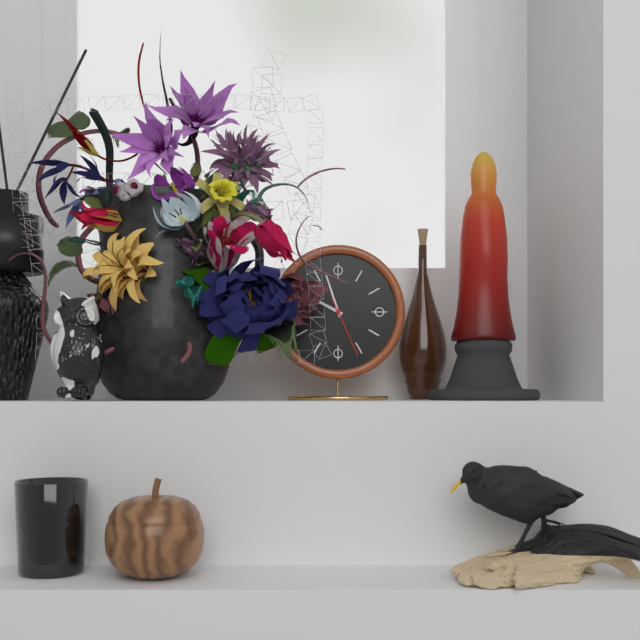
9.57.26
